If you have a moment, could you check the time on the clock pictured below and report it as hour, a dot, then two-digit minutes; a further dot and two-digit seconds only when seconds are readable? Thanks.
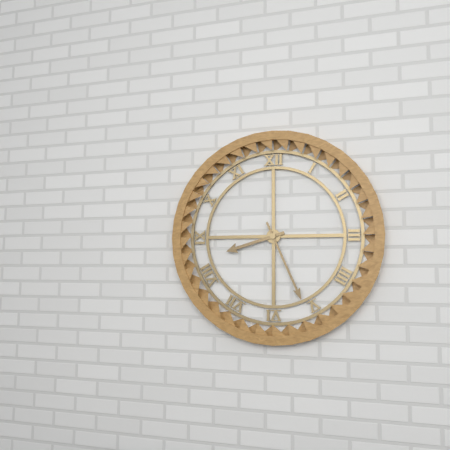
8.26
